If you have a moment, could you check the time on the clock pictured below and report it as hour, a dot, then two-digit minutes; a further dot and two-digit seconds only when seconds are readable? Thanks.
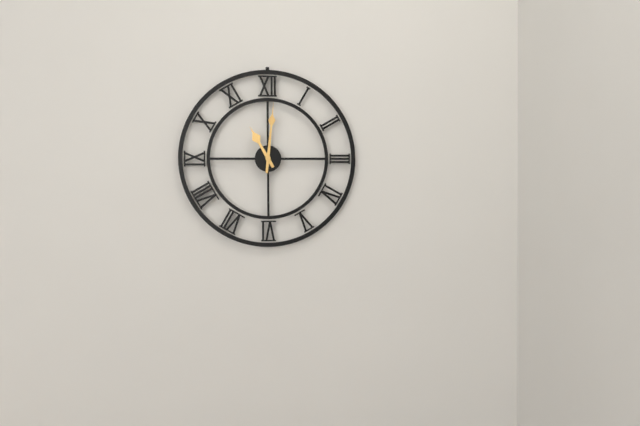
11.01
